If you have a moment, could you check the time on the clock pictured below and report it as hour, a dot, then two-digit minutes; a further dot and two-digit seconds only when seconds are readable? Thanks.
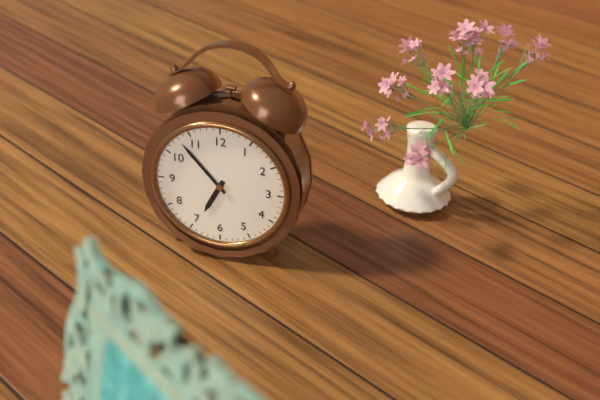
6.53
